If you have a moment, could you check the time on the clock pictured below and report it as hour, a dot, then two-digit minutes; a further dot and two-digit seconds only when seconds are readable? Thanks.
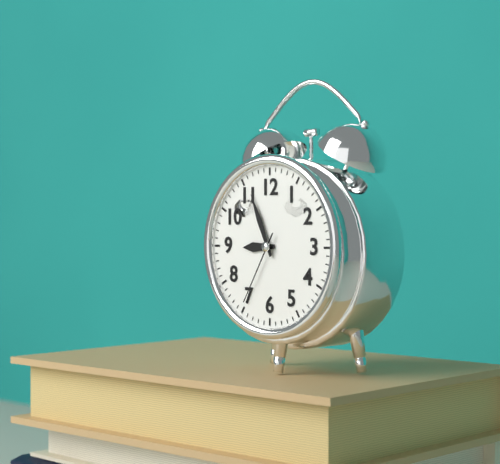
8.56.35
